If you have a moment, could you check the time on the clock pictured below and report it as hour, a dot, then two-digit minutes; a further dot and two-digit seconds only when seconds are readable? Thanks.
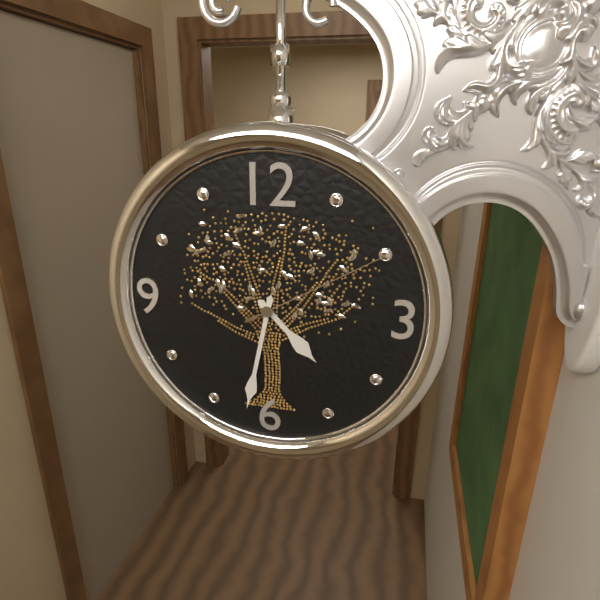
4.32.10
